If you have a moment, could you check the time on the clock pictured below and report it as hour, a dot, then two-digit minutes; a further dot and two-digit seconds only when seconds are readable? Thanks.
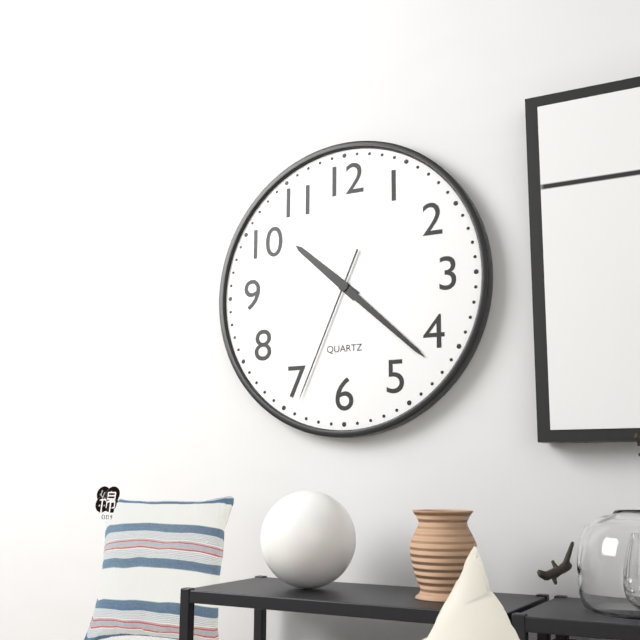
10.22.34
